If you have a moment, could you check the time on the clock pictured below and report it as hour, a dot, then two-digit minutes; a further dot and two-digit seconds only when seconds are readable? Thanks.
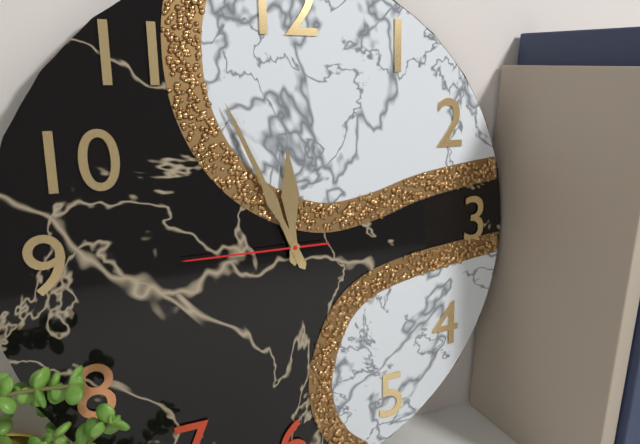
11.56.45
